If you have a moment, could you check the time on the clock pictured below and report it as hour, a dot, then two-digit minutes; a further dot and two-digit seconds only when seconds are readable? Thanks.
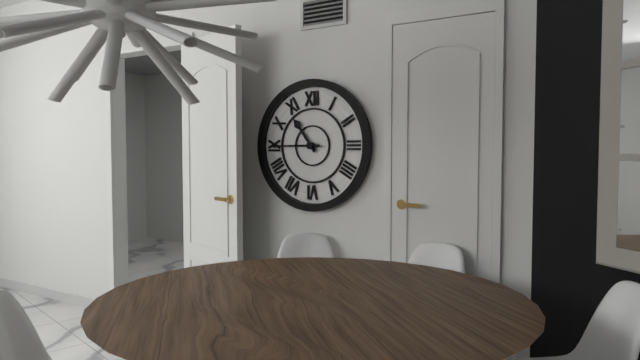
10.45
